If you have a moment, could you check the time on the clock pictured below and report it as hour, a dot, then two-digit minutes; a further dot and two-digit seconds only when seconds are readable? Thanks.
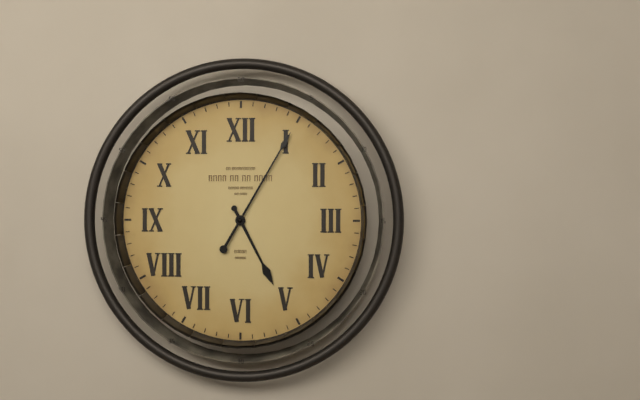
5.05
